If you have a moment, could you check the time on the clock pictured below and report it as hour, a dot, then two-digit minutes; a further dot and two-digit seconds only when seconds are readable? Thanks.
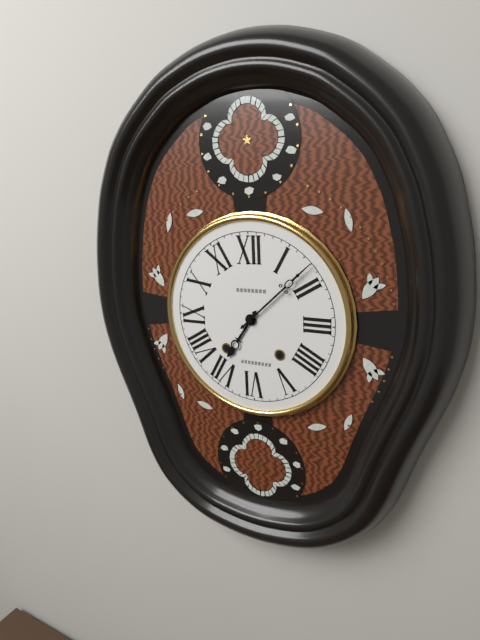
7.08
